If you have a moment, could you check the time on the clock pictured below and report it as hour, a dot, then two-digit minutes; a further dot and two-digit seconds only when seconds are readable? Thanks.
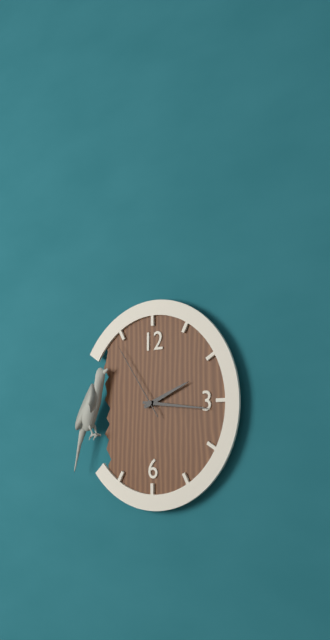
2.16.54
